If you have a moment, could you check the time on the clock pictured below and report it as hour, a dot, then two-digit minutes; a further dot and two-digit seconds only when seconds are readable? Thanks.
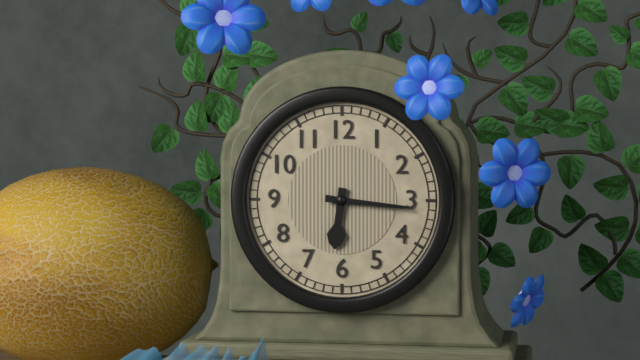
6.16
